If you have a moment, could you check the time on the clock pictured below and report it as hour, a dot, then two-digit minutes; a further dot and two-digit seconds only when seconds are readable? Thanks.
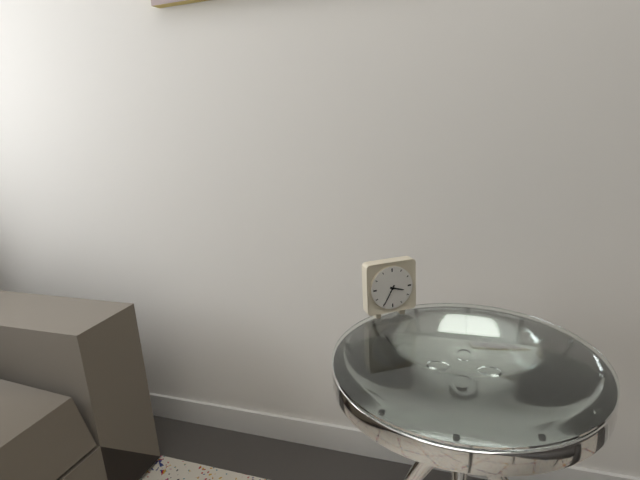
3.35
